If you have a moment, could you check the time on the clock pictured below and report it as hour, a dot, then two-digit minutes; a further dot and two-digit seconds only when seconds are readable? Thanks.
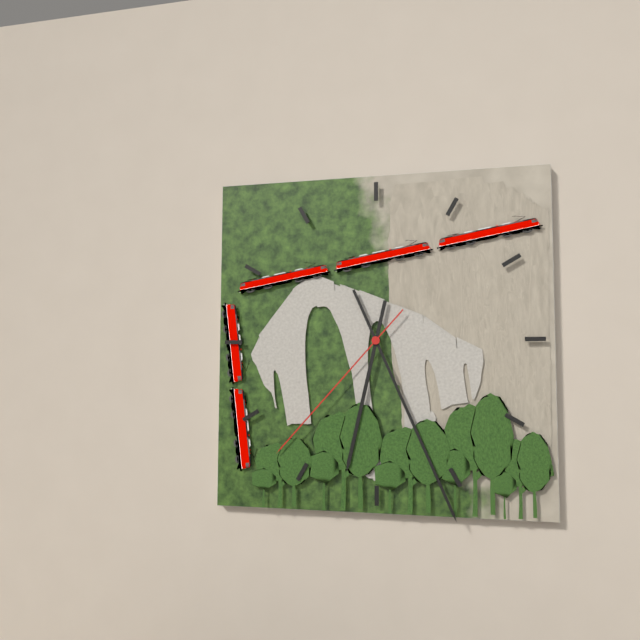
6.26.37
